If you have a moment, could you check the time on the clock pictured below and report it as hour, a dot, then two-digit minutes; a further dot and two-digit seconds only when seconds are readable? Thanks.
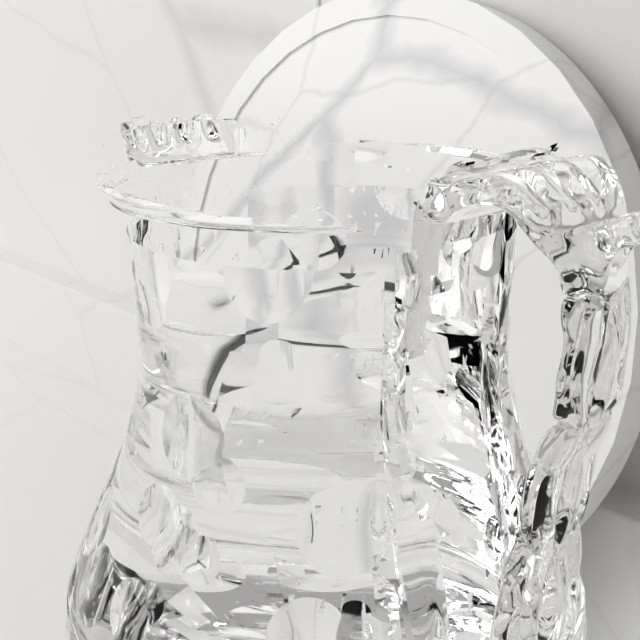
7.25.27
